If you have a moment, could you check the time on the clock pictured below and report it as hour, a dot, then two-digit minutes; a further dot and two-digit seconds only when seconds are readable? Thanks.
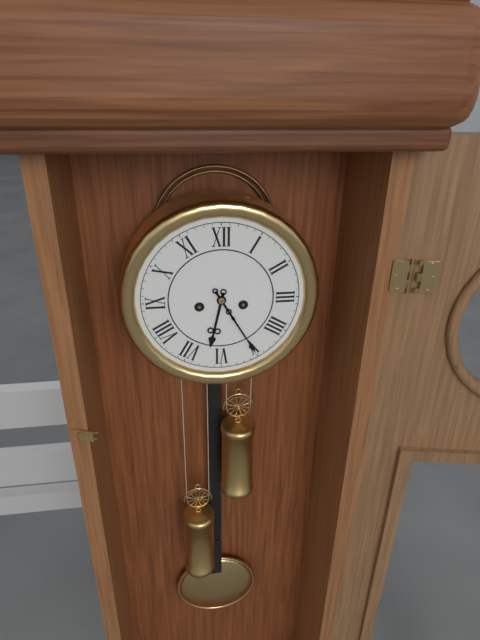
6.25
